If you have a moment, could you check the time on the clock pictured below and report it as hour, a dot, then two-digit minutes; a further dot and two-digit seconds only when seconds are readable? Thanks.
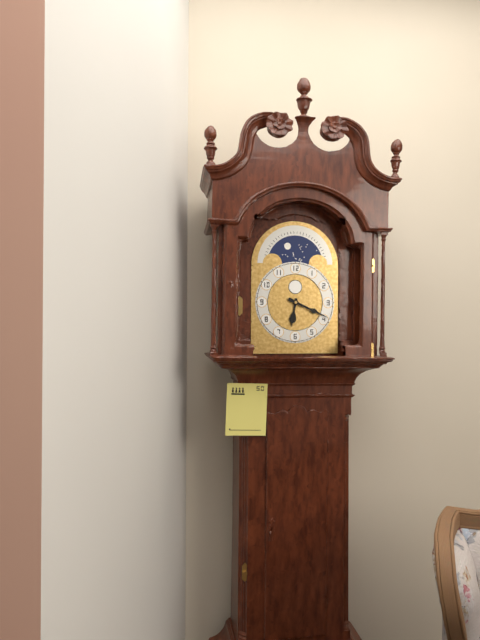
6.19
